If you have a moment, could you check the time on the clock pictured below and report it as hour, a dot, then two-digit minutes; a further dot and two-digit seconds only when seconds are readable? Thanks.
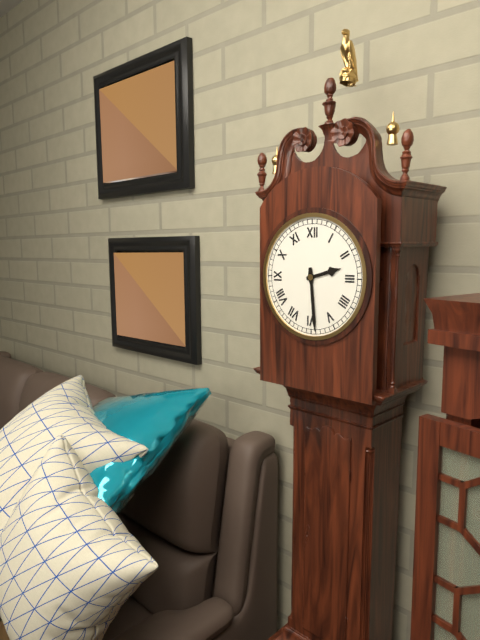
2.29
